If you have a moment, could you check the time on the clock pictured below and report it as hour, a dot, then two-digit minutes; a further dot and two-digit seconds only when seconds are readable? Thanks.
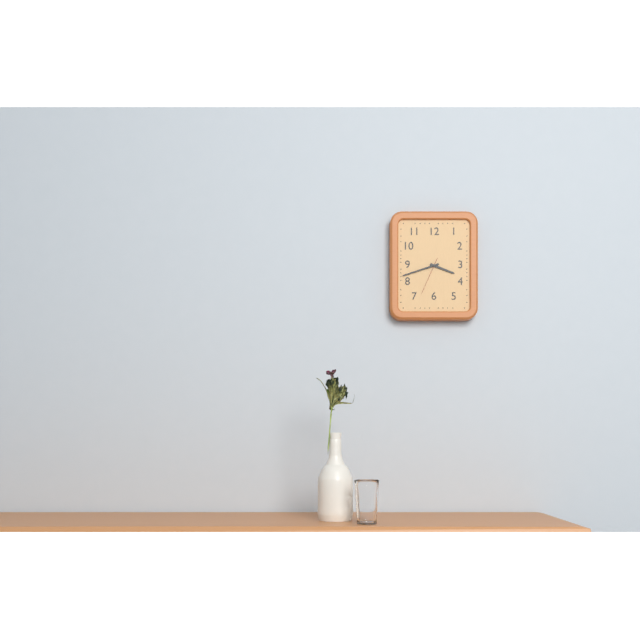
3.42
